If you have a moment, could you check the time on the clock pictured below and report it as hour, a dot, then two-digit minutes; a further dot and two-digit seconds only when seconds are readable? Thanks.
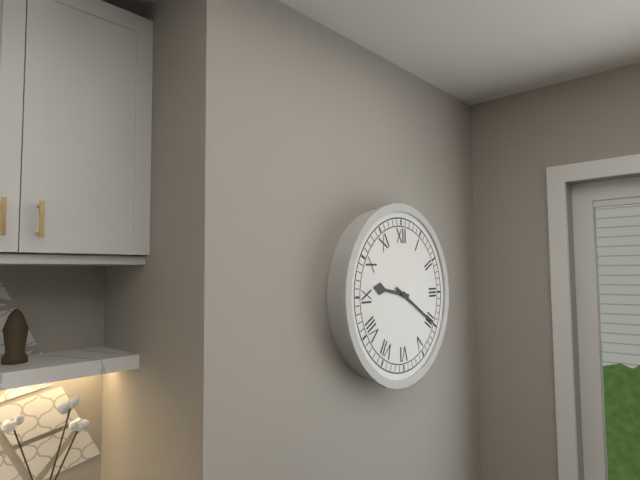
9.20
